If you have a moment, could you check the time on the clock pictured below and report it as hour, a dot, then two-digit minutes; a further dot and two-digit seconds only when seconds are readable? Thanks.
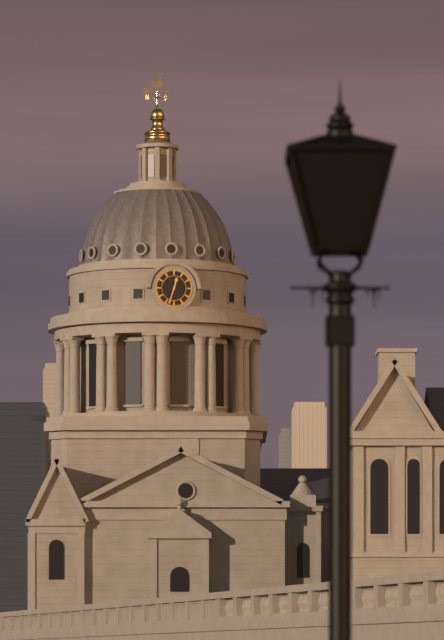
12.33
